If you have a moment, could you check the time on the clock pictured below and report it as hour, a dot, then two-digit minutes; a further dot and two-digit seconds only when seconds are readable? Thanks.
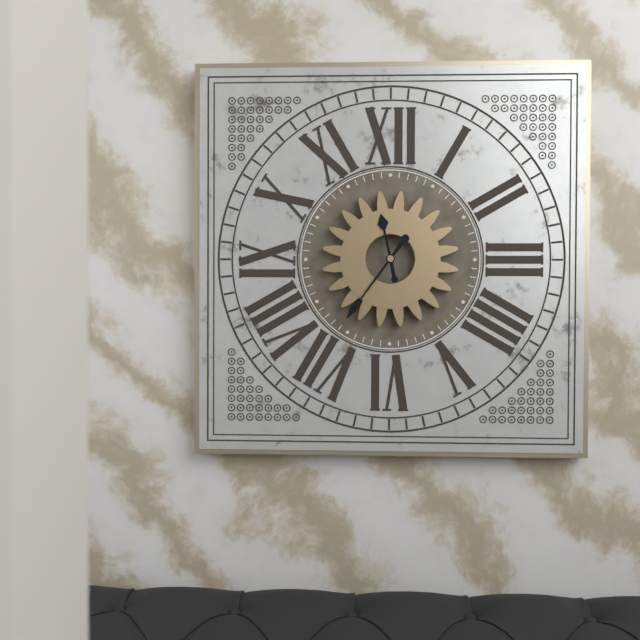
11.36
